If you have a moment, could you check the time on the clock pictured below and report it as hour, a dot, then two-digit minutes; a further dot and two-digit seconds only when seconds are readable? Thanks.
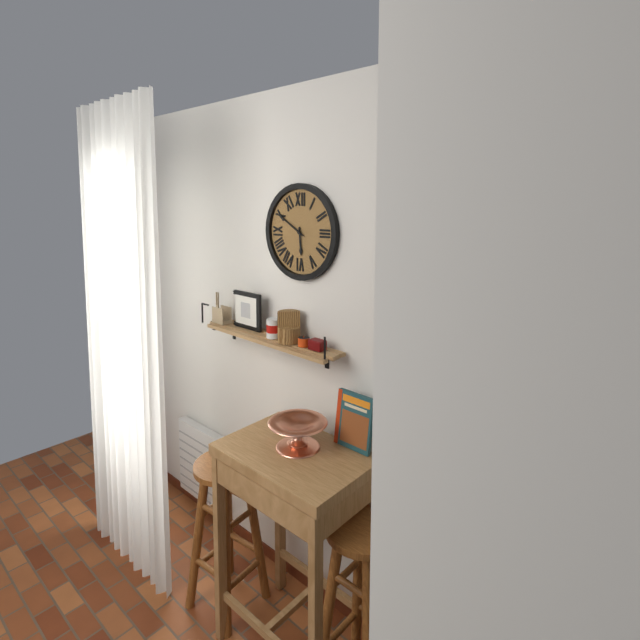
5.50
